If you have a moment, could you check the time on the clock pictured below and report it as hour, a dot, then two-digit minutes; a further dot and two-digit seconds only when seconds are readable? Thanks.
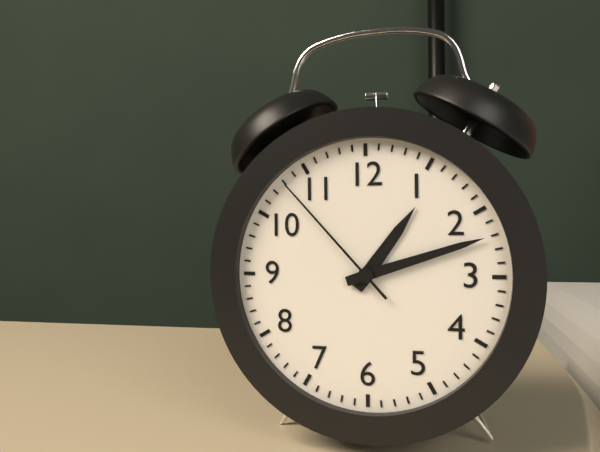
1.12.53
